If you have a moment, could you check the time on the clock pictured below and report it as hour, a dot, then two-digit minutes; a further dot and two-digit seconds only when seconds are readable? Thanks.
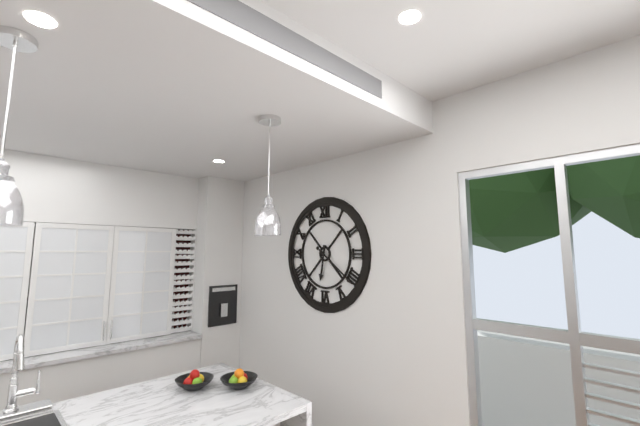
6.21
